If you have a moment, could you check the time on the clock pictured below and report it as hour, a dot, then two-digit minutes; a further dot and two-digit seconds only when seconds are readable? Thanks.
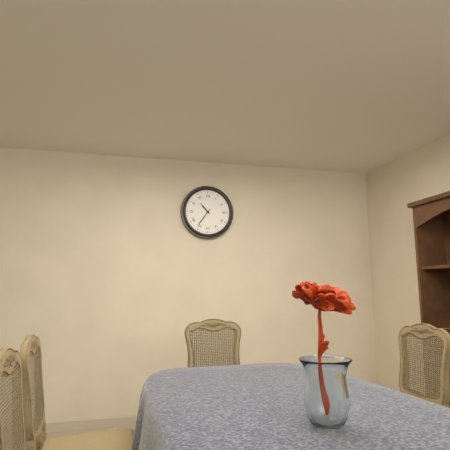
10.36
